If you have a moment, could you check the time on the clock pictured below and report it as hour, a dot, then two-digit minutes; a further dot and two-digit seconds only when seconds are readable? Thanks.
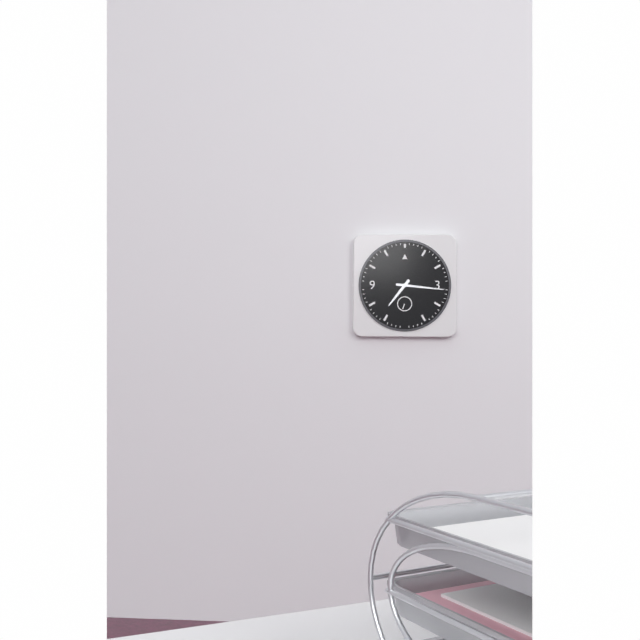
7.16
